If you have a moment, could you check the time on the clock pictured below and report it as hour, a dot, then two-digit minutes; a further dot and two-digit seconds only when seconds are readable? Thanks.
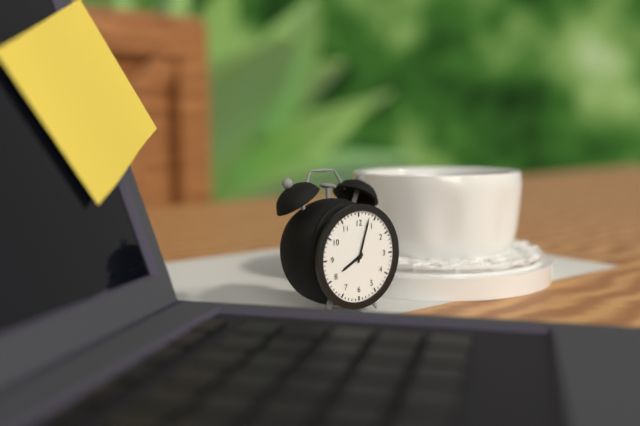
8.03
